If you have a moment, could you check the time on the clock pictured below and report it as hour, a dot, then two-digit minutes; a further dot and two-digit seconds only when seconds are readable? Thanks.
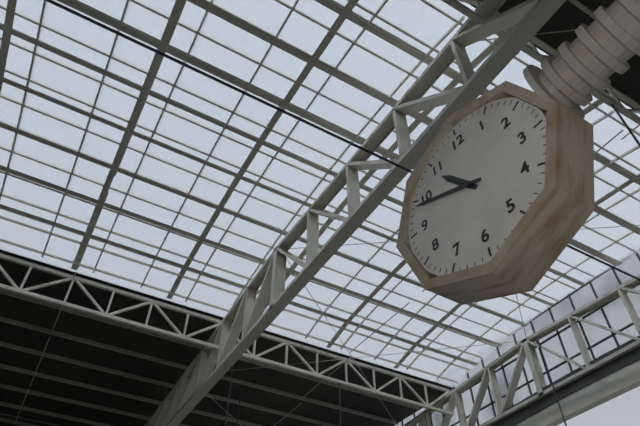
10.49
